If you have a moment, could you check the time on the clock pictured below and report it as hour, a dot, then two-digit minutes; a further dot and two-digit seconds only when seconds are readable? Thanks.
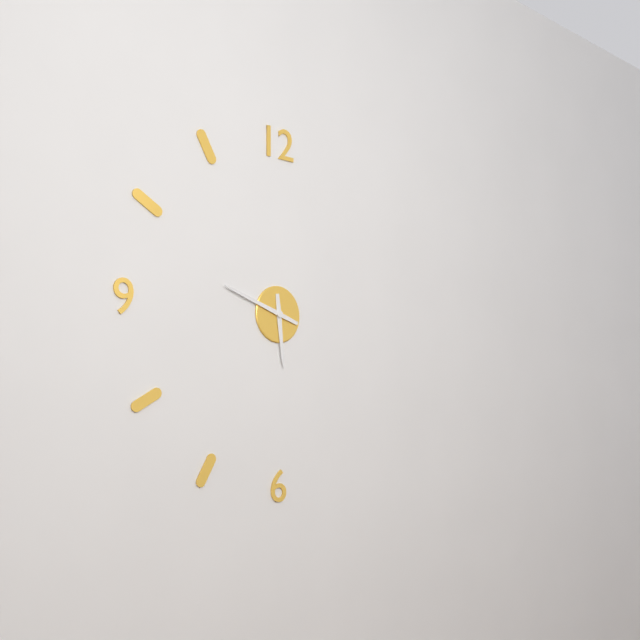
5.48
